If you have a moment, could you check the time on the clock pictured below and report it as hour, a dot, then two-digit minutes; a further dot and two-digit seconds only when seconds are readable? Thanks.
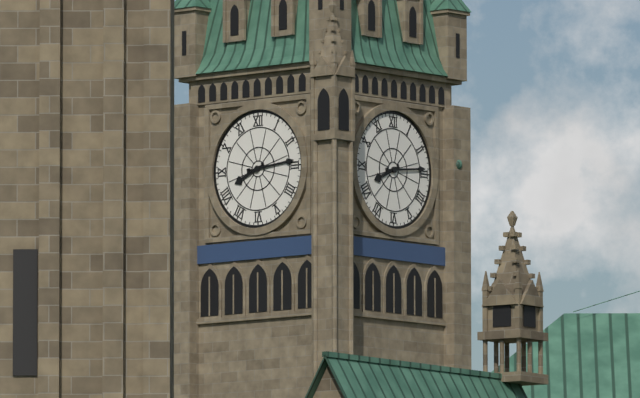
8.14
